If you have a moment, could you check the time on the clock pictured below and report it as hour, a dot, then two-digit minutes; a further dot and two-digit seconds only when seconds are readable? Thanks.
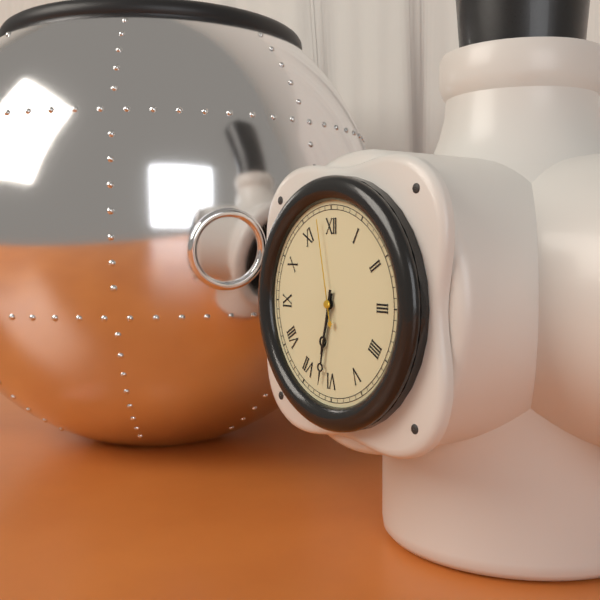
6.32.58
